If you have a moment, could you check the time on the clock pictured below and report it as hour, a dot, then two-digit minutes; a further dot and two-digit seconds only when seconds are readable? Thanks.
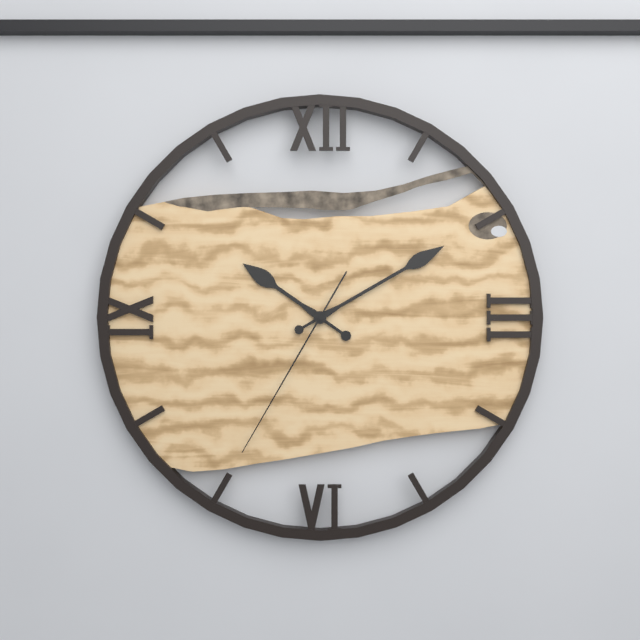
10.10.35
